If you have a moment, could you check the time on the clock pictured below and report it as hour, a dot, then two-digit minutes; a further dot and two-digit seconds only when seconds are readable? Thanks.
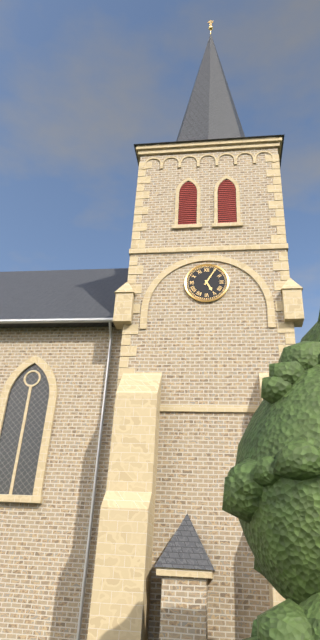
5.05
